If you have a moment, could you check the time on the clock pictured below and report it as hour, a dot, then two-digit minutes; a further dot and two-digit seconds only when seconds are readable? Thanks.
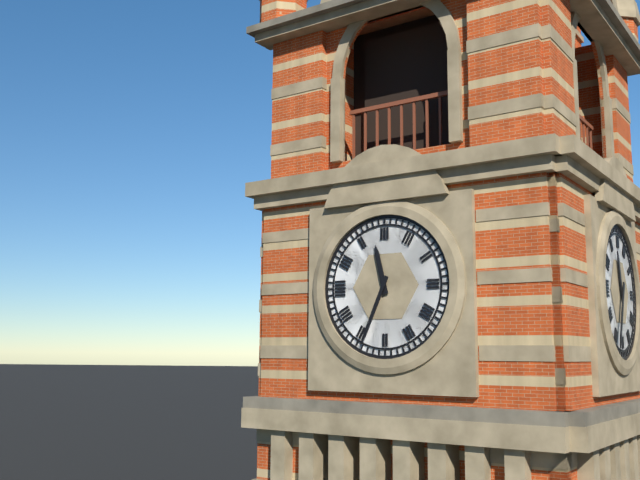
11.34
